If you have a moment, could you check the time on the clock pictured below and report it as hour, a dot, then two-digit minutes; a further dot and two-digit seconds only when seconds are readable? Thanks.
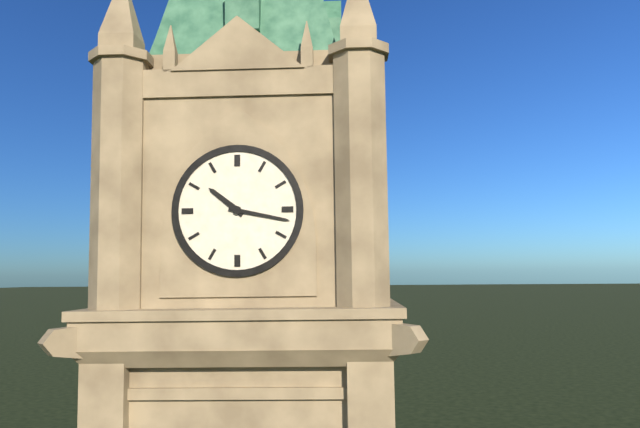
10.17
